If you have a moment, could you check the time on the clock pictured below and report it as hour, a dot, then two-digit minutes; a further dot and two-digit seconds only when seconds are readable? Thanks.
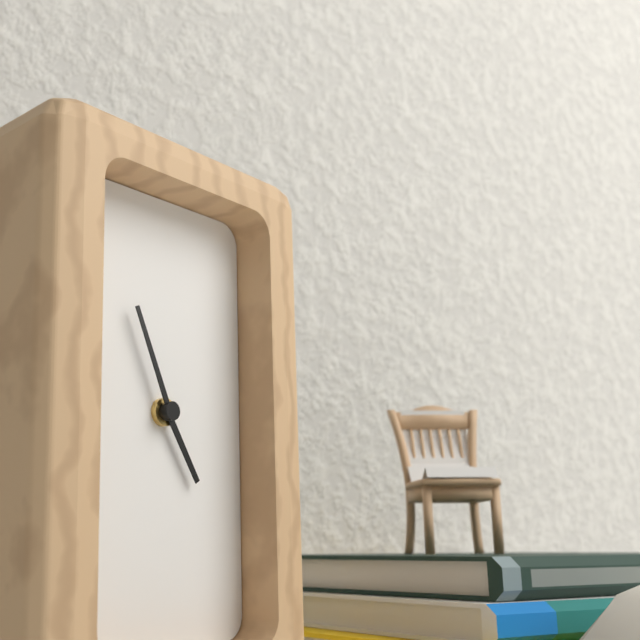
4.56
